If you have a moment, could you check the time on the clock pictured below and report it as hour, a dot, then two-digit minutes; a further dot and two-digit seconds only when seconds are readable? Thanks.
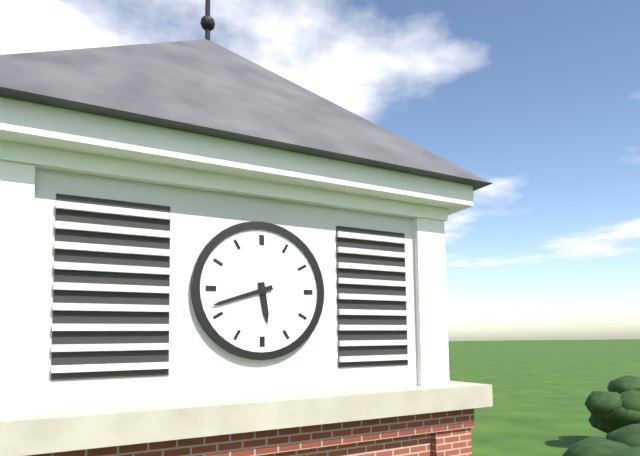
5.42
